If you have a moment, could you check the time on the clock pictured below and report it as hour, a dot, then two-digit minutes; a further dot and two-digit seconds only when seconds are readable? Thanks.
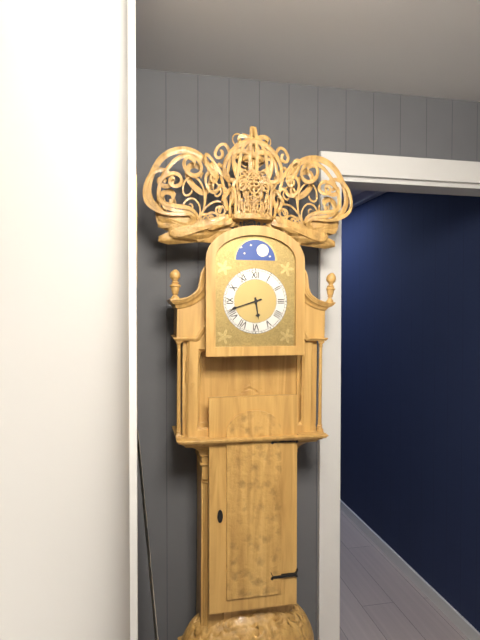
5.42
